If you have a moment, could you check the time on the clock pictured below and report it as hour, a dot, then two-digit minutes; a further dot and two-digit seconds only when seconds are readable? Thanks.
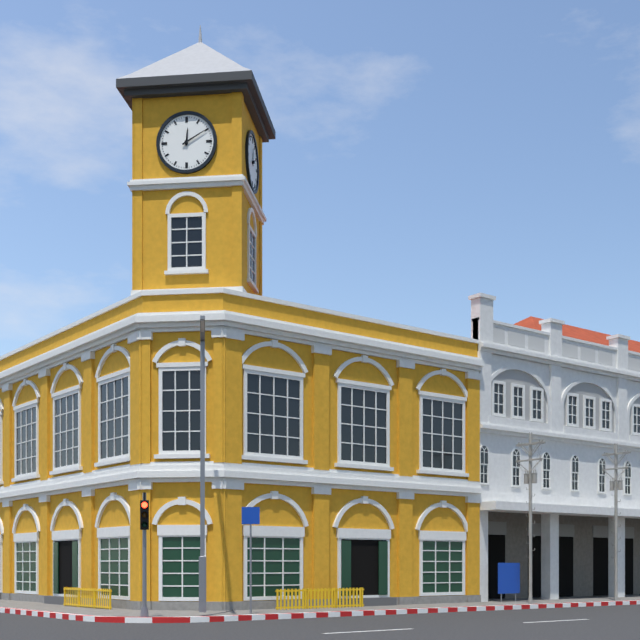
12.10
